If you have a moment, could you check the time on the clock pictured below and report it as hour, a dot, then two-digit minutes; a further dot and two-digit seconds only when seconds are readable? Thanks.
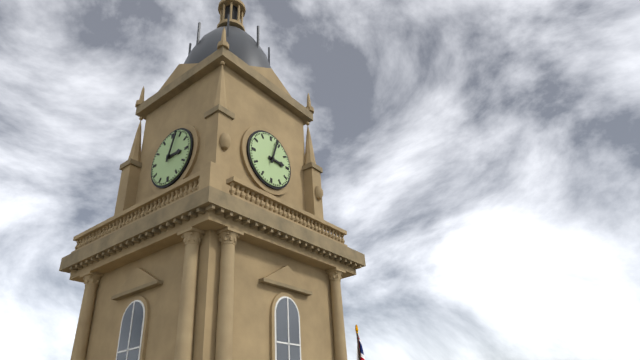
3.03
